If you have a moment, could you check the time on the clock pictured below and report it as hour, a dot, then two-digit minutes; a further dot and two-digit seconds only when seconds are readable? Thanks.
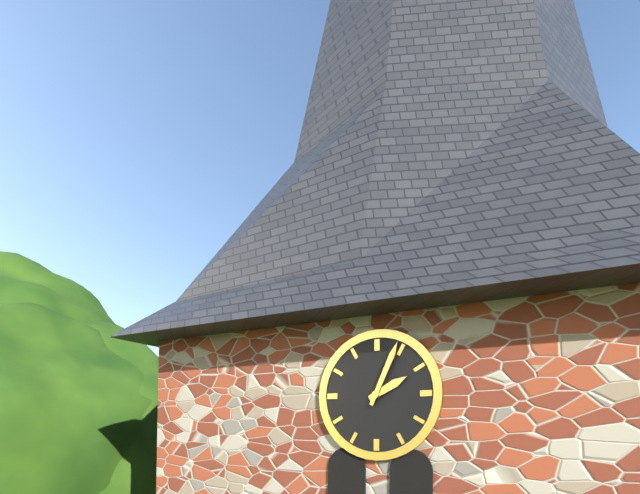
2.04
